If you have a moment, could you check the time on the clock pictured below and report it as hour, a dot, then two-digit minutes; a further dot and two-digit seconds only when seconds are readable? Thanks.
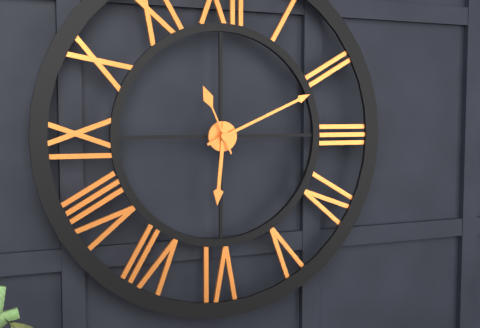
6.11.56
